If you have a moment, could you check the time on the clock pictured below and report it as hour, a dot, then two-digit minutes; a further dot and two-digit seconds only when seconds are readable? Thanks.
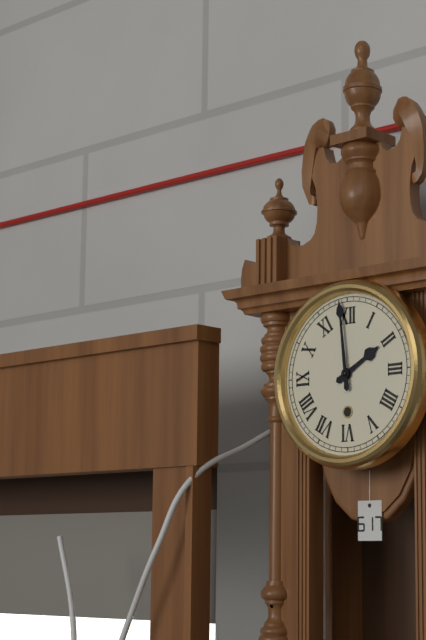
1.59
